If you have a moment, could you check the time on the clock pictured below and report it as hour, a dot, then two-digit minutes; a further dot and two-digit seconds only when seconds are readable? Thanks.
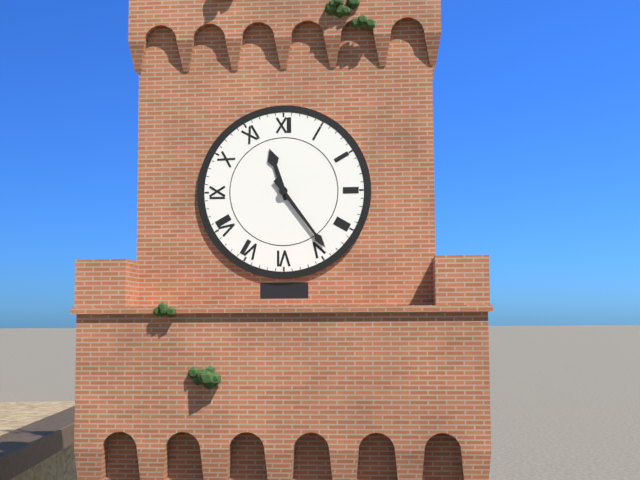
11.24
